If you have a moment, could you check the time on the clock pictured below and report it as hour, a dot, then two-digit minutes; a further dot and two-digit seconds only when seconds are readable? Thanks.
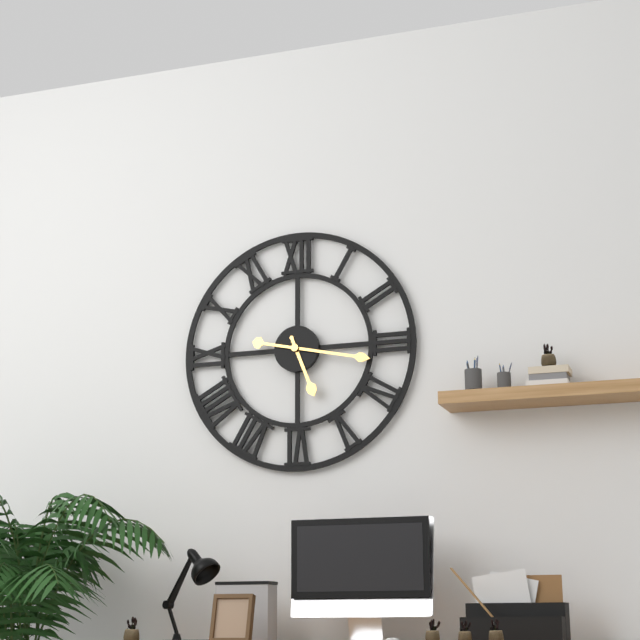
5.17
